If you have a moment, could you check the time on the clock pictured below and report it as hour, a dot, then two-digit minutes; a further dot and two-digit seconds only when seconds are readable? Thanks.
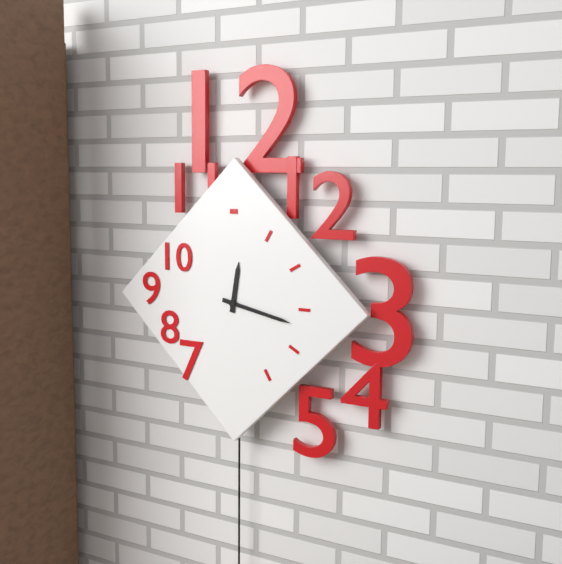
12.17
